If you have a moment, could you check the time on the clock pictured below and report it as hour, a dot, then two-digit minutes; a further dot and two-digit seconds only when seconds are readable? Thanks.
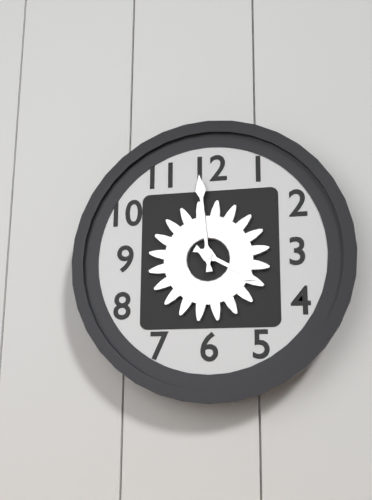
3.59
